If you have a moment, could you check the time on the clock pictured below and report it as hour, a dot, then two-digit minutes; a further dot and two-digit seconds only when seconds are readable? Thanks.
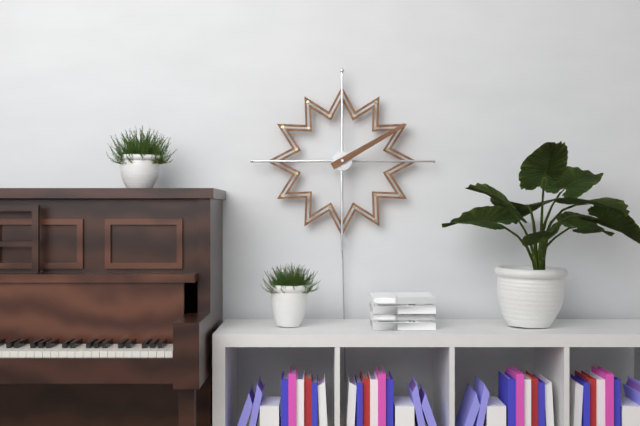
6.10
